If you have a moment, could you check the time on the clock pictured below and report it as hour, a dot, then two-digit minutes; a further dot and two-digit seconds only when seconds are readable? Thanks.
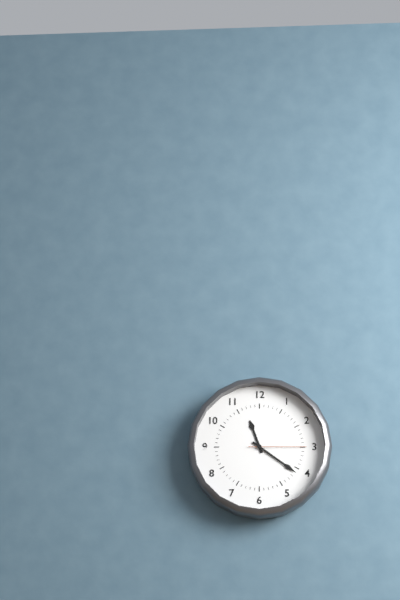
11.21.15
